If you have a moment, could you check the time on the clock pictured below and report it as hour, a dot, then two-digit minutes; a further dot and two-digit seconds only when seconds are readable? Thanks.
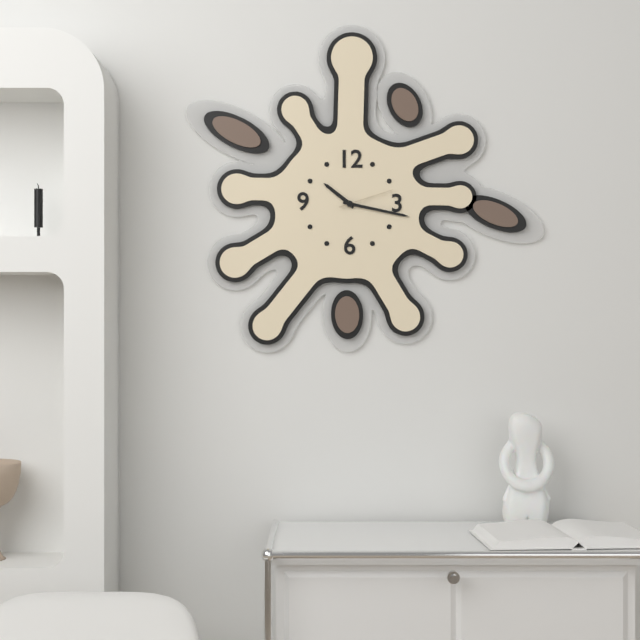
10.17.12
